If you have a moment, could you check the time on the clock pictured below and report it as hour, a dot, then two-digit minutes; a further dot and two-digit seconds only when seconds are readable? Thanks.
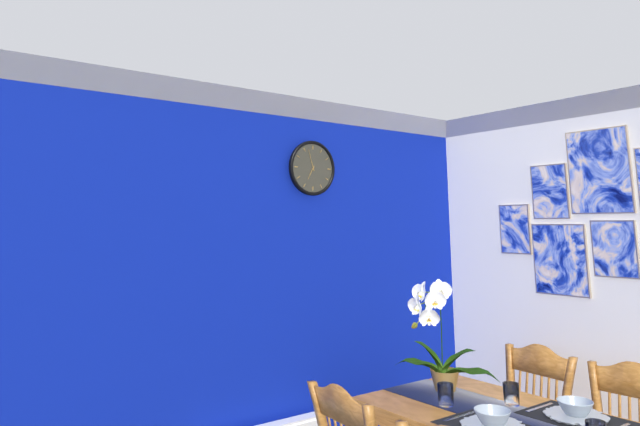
6.57
